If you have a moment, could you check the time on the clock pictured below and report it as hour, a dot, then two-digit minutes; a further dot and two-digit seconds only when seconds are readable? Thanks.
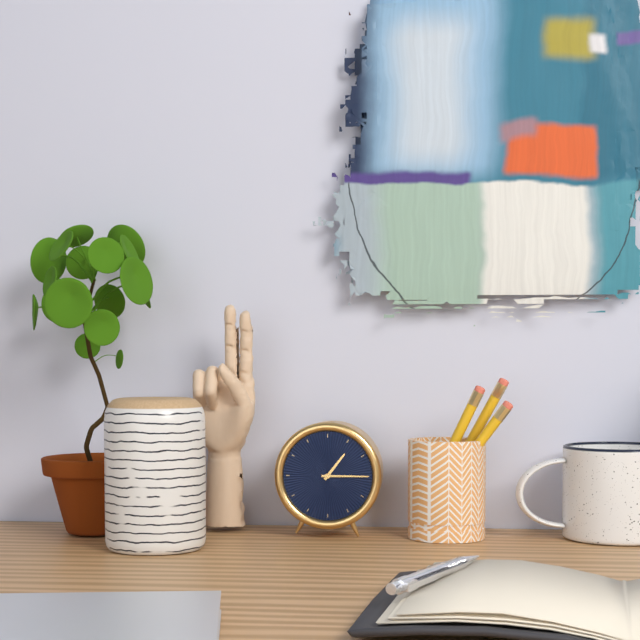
1.15
